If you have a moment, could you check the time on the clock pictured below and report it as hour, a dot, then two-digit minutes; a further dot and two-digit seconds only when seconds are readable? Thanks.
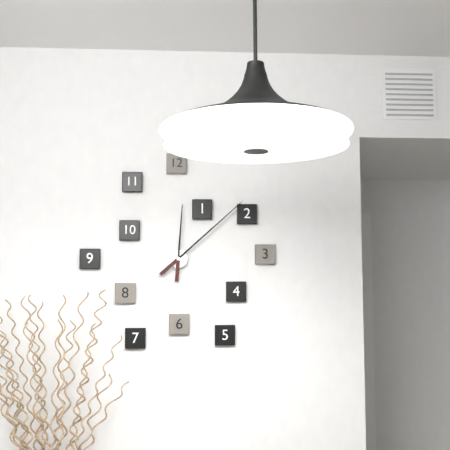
12.08
